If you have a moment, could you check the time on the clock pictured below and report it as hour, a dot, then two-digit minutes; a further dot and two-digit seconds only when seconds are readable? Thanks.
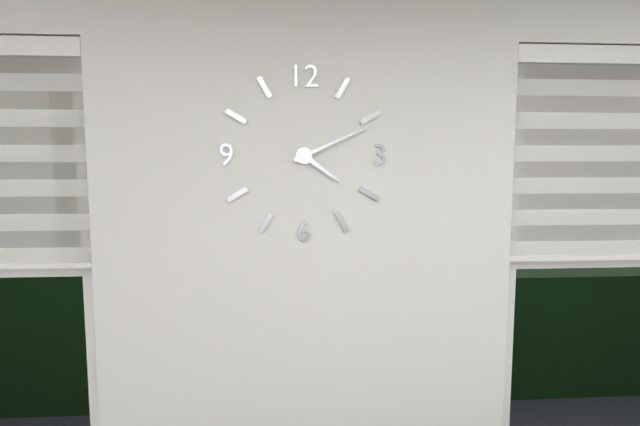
4.11
